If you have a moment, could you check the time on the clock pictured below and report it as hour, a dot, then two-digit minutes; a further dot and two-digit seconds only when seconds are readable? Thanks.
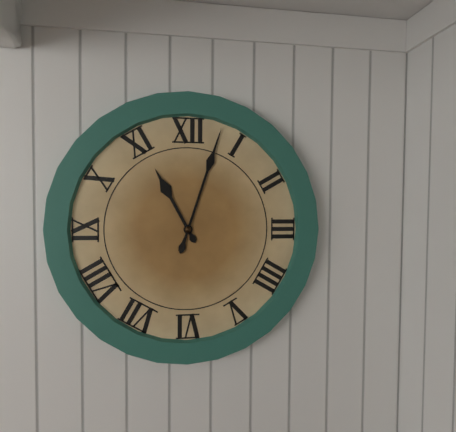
11.03
